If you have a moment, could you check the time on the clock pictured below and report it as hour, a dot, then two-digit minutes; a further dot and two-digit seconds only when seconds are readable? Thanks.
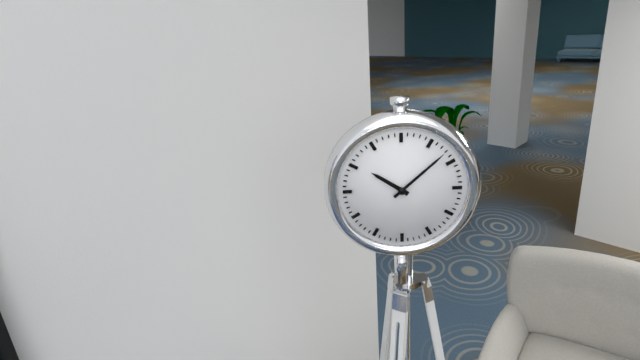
10.08
